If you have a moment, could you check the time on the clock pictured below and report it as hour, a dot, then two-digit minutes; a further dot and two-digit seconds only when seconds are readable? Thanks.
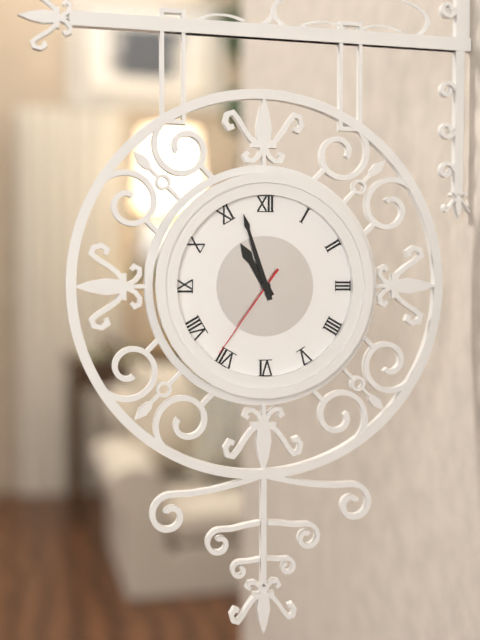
10.57.36
